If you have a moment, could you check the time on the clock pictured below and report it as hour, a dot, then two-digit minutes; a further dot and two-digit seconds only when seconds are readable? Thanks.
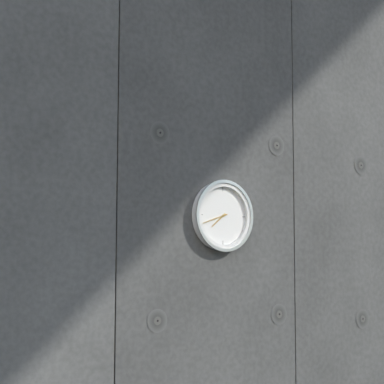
7.42
